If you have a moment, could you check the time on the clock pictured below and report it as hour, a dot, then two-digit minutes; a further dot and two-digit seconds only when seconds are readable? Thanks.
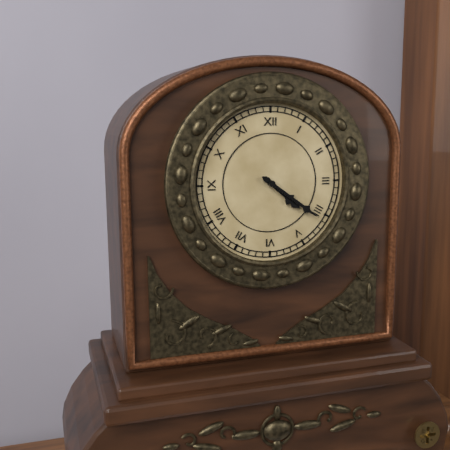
4.21
